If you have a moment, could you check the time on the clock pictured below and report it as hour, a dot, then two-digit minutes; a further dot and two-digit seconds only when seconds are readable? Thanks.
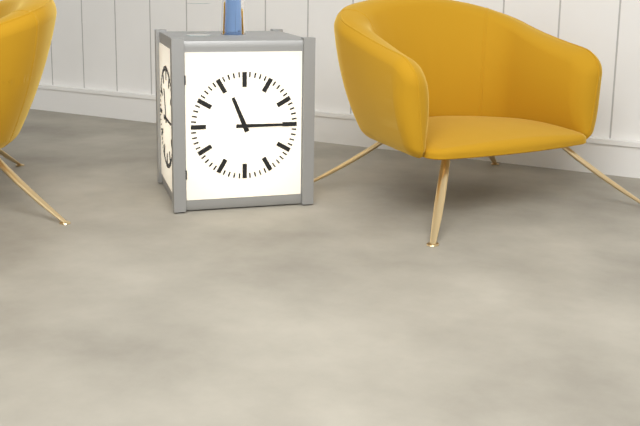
11.15
